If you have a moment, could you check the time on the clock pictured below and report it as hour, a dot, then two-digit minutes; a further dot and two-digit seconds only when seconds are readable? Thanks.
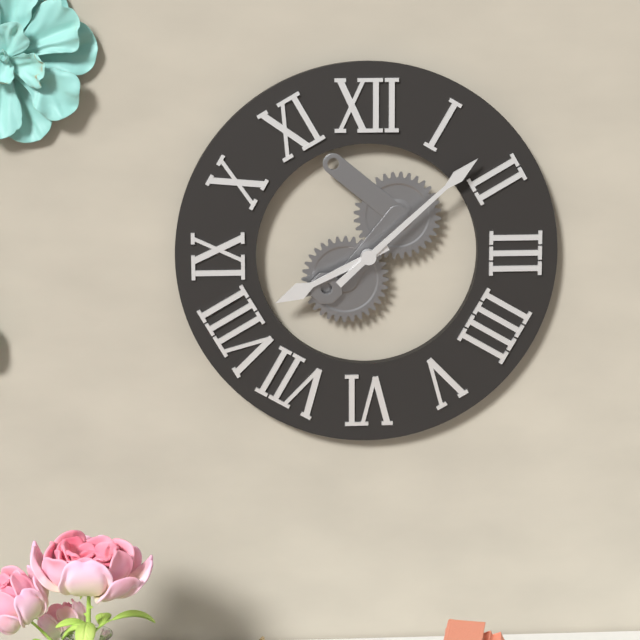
8.08
